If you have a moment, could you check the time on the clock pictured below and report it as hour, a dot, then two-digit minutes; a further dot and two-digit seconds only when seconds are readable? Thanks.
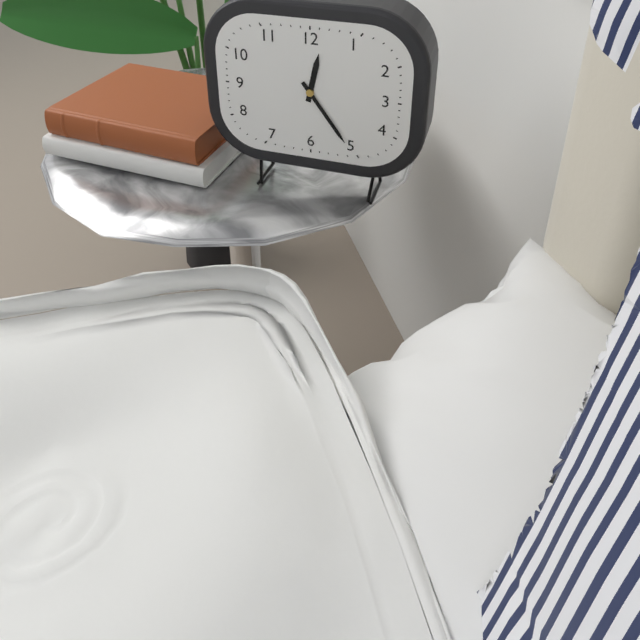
12.24
